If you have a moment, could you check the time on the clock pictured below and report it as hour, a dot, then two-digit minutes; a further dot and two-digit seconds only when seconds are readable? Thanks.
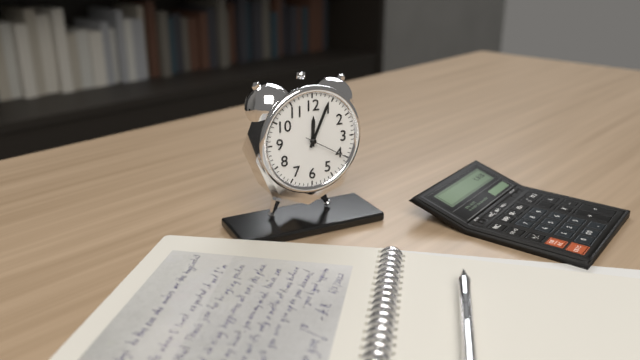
12.04
